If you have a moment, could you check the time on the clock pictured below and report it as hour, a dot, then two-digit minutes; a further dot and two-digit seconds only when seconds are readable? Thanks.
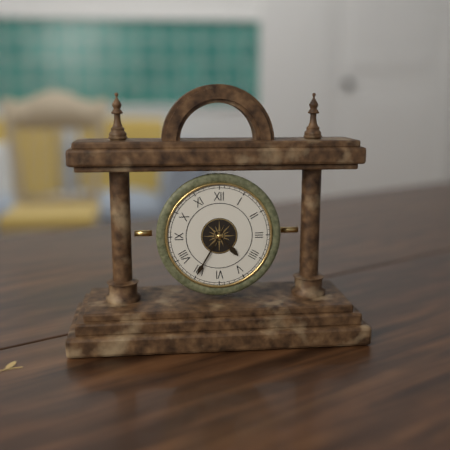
4.35
